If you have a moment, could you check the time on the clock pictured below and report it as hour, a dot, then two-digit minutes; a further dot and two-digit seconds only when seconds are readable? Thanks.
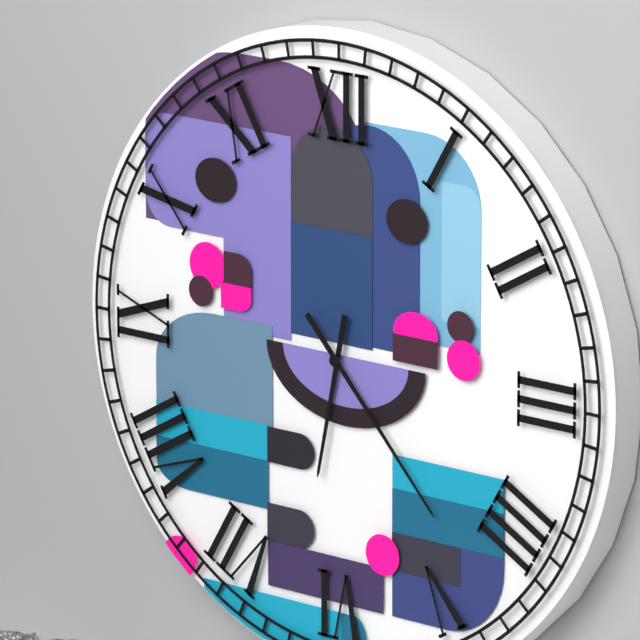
6.23
